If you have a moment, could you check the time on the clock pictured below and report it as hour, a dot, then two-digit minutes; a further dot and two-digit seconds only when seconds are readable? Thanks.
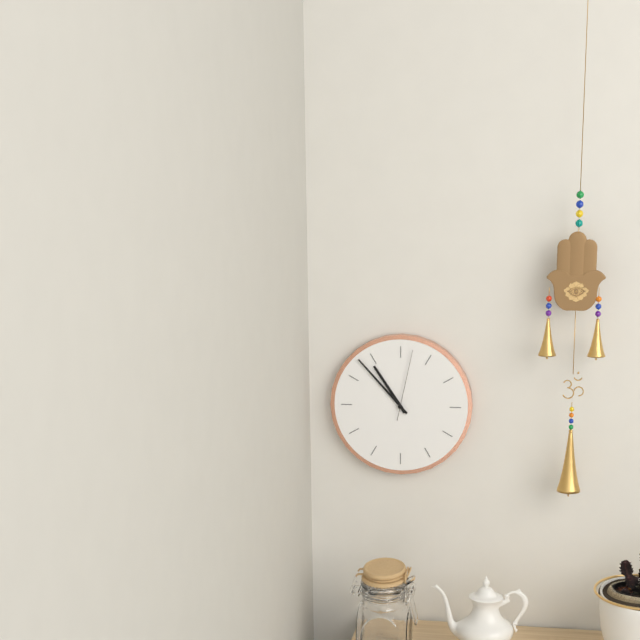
10.53.02
